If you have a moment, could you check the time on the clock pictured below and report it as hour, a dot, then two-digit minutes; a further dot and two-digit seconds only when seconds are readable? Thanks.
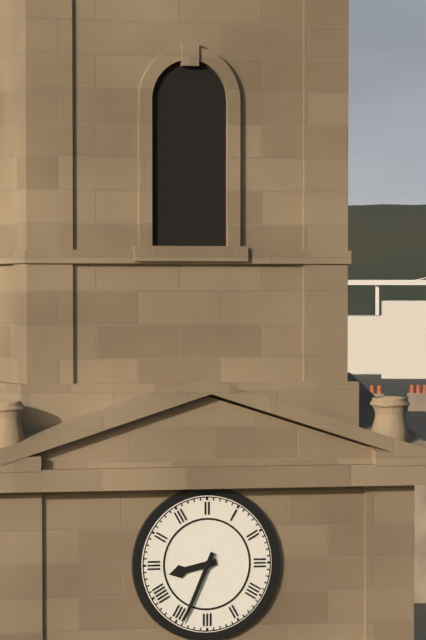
8.34
